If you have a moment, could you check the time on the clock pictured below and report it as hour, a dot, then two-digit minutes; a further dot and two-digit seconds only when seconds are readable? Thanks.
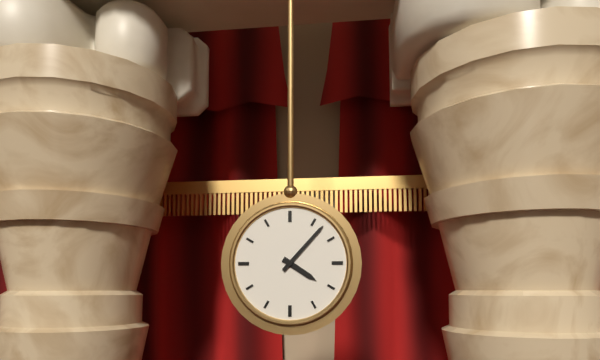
4.07
